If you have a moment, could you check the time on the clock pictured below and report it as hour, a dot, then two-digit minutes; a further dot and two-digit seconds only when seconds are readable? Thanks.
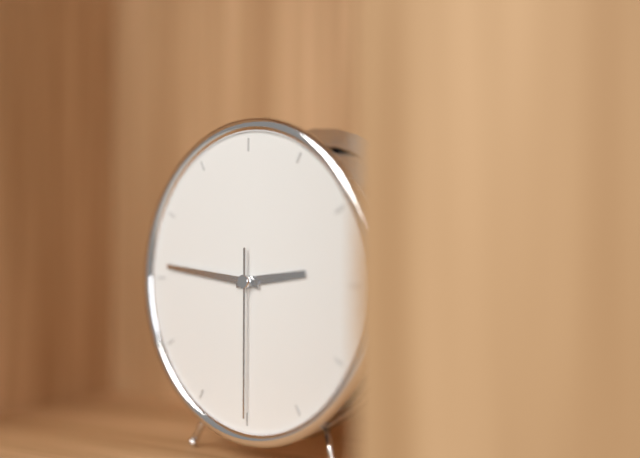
2.46.30
